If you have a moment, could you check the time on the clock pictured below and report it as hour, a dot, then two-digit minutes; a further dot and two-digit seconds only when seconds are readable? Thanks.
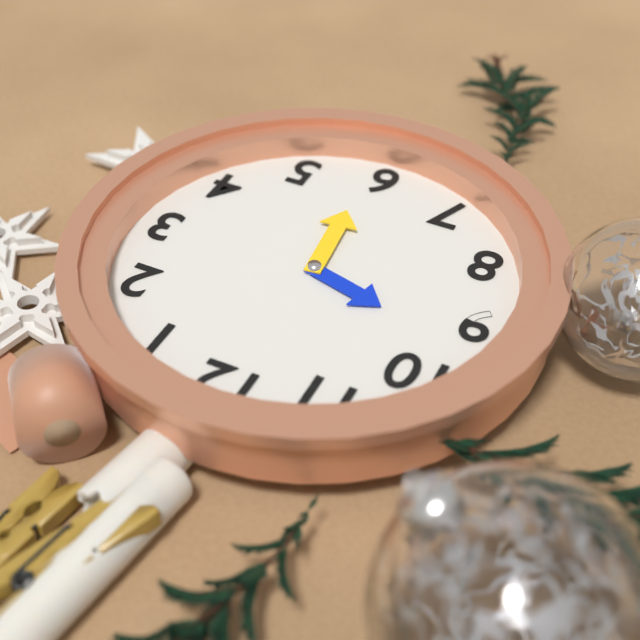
9.29
